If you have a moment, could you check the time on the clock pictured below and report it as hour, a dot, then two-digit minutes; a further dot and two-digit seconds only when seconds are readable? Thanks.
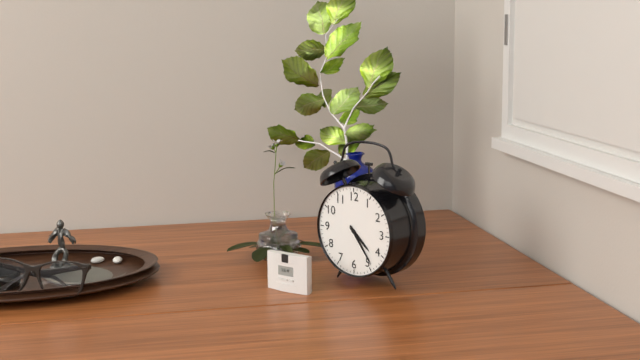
4.24
